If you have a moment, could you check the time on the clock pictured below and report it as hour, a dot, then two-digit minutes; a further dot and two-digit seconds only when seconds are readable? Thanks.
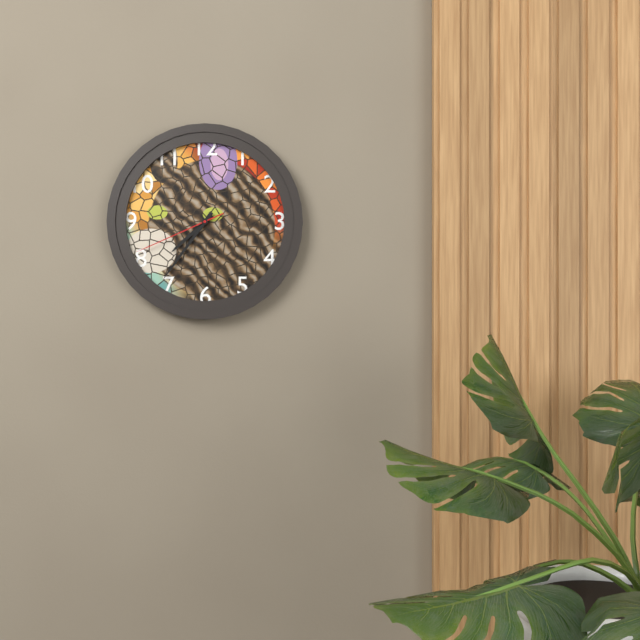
7.36.41
